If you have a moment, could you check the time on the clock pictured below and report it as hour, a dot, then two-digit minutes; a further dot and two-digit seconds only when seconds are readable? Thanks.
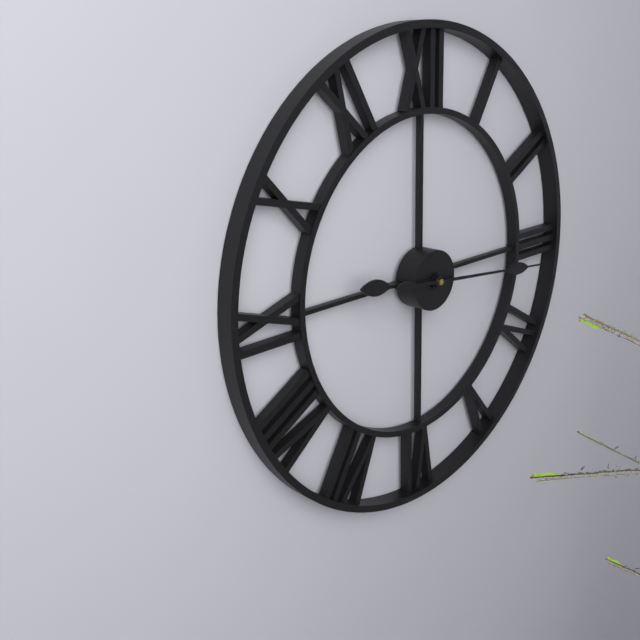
9.16
